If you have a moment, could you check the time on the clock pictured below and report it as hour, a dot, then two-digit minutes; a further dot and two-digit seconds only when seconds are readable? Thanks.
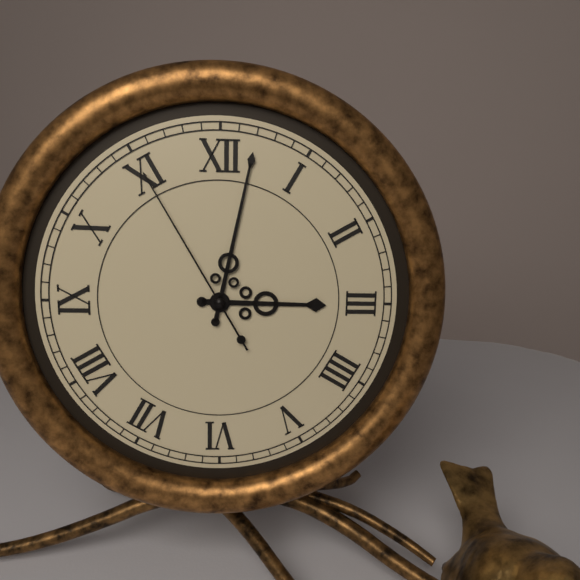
3.02.55
